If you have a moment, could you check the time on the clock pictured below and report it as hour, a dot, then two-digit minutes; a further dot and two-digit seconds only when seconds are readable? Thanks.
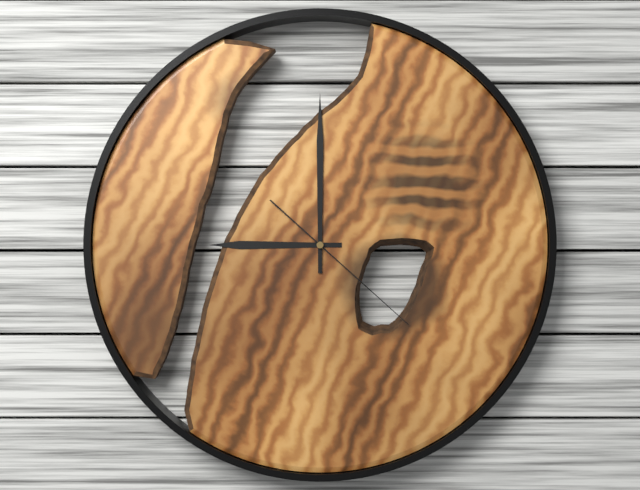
9.00.22
